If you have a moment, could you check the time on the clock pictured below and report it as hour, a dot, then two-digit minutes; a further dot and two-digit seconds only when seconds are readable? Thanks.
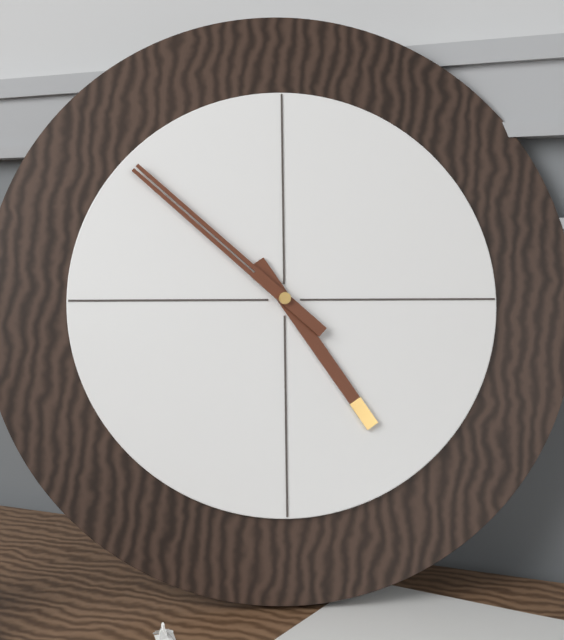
4.52
